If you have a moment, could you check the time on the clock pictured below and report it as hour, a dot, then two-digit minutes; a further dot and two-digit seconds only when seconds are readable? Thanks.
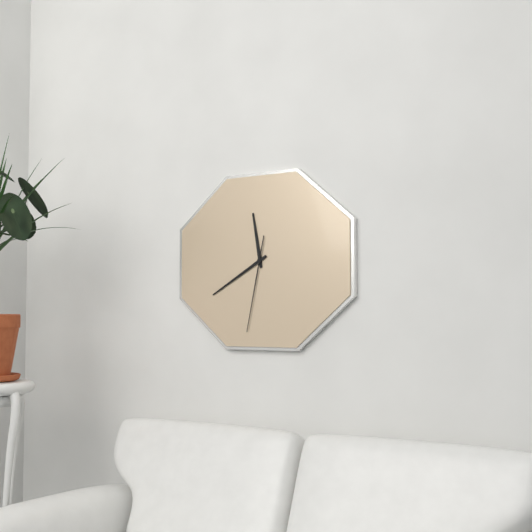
11.40.32
